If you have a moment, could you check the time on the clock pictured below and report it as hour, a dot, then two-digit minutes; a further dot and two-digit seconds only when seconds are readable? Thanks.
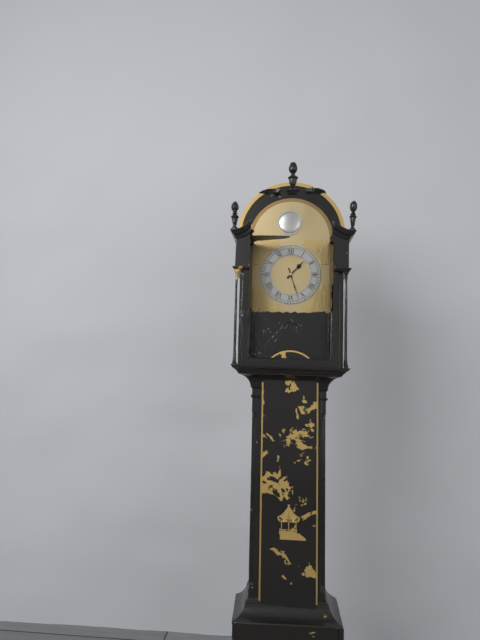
1.27
